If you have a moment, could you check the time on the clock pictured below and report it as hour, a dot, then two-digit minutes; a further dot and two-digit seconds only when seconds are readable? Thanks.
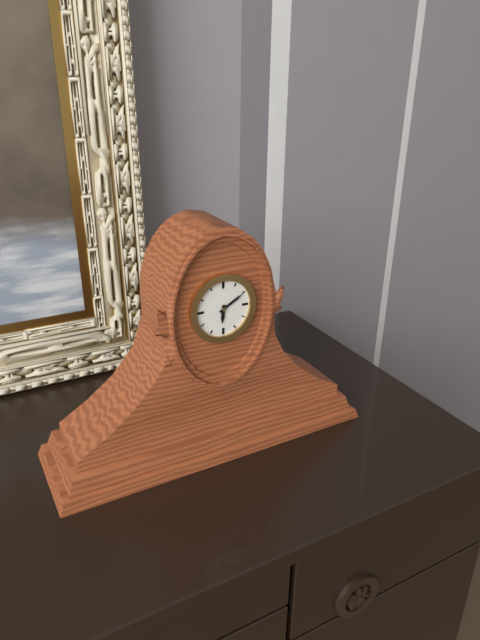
6.10
